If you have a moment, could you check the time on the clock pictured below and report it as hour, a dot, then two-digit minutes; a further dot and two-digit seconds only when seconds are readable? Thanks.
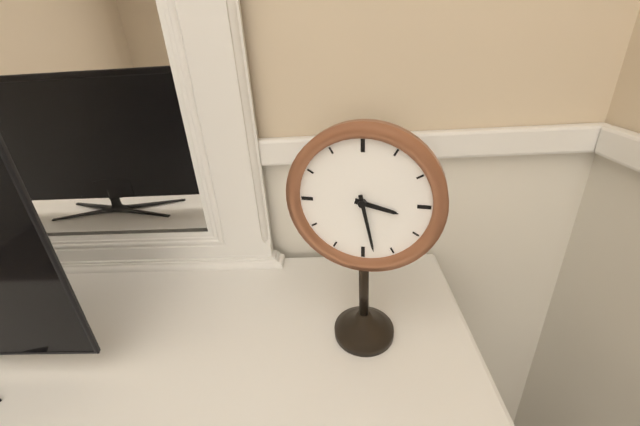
3.28
